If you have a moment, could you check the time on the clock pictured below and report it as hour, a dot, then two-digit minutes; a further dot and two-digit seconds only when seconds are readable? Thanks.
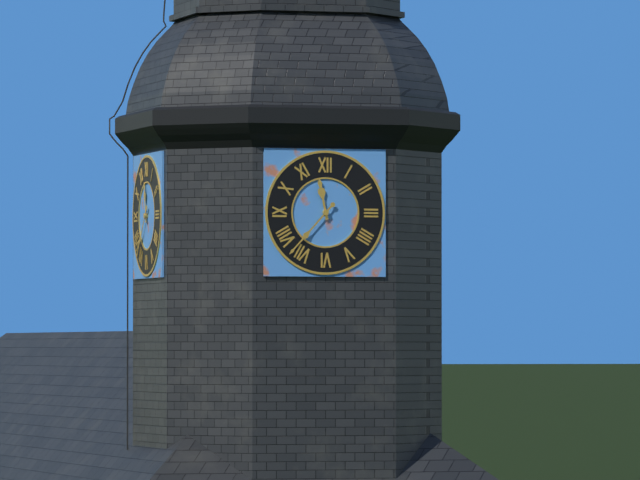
11.37
